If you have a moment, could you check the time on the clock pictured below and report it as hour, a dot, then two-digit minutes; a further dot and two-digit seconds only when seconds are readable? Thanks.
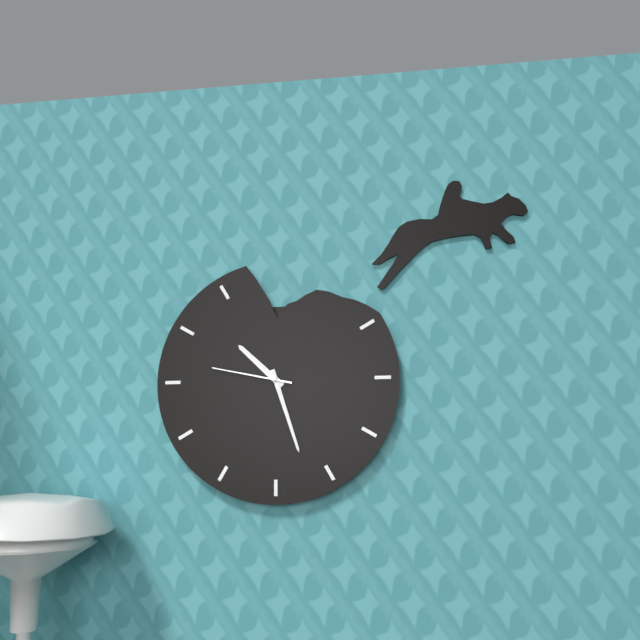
10.27.47
